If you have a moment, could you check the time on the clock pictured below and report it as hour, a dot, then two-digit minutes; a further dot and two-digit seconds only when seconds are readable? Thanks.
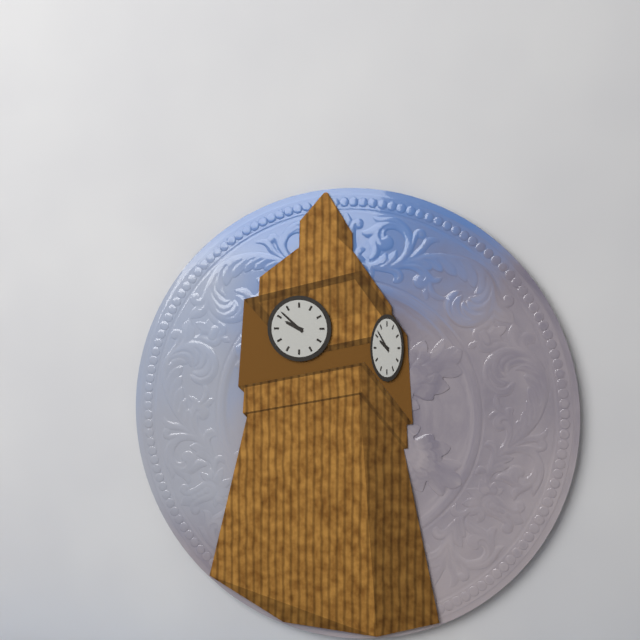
9.52
